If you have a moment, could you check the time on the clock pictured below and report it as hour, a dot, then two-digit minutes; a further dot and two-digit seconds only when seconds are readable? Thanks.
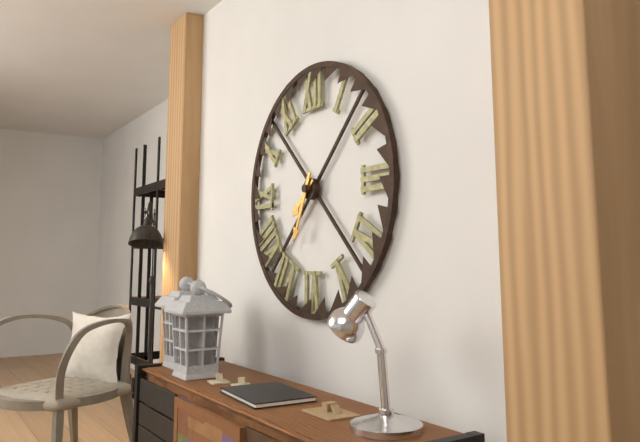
7.34
